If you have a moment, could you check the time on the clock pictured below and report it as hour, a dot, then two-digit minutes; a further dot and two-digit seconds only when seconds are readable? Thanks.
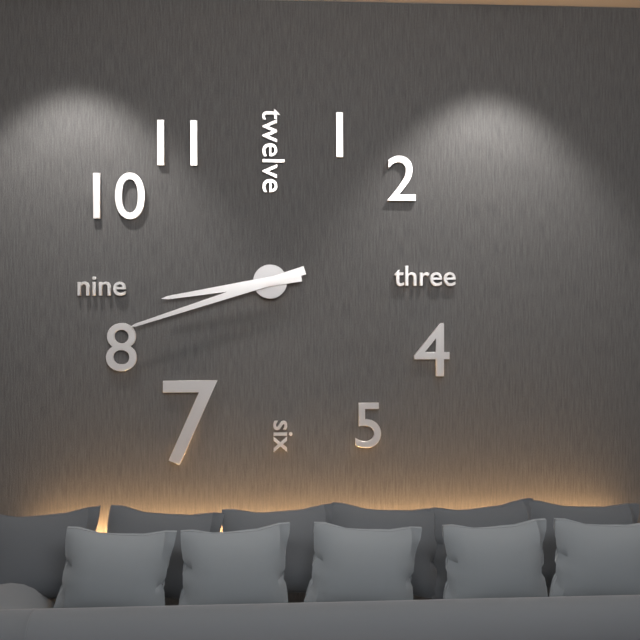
8.42
